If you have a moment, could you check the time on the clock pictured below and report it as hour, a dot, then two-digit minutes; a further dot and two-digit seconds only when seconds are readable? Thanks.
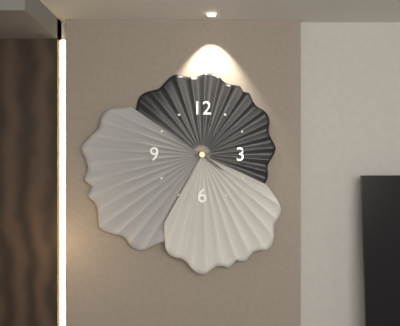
4.14
